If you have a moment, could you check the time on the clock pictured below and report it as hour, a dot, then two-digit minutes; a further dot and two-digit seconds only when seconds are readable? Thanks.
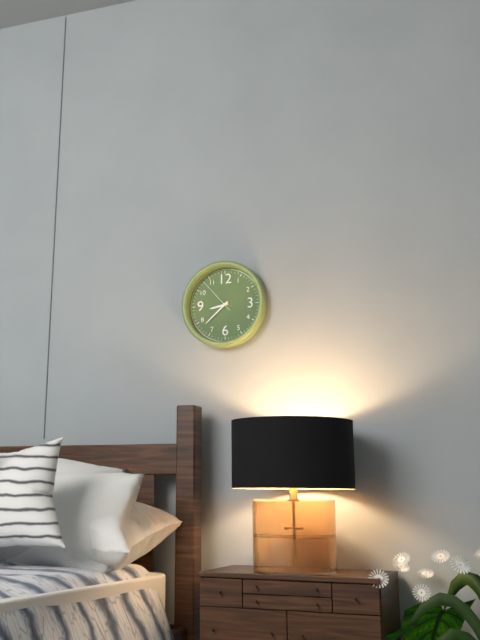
8.38
